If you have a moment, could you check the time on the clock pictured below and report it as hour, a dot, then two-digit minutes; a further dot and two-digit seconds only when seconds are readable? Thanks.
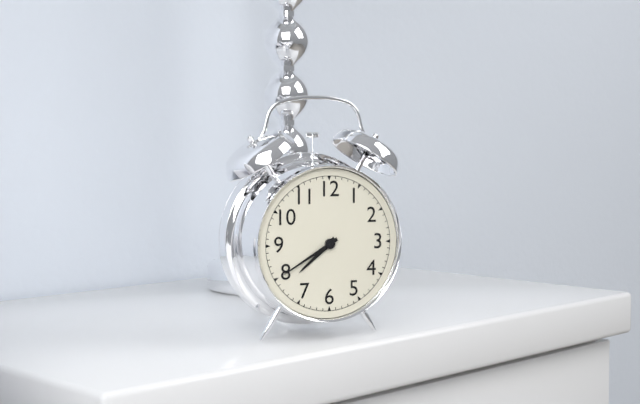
7.40
